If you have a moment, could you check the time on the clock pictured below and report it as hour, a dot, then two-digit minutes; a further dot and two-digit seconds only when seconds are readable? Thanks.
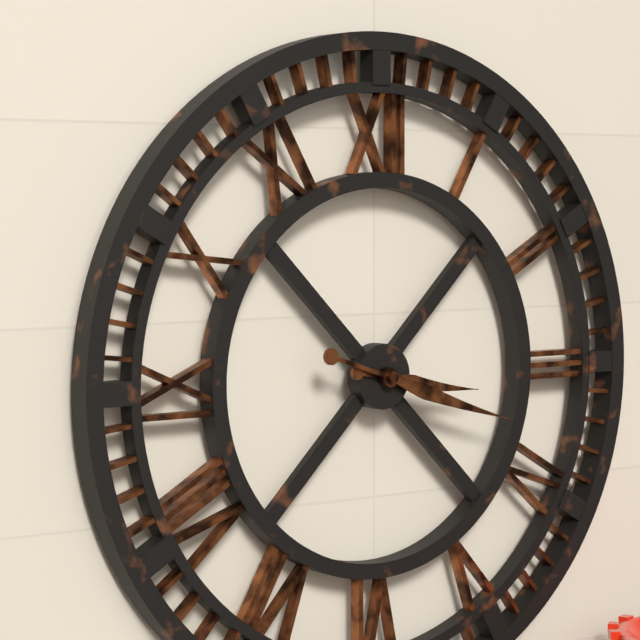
3.18
